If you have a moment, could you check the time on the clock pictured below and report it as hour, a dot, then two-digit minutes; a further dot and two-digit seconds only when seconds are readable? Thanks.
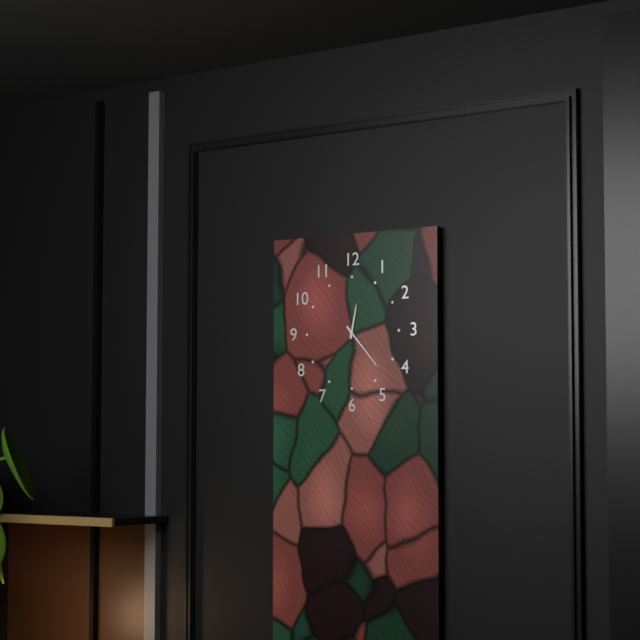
12.23
